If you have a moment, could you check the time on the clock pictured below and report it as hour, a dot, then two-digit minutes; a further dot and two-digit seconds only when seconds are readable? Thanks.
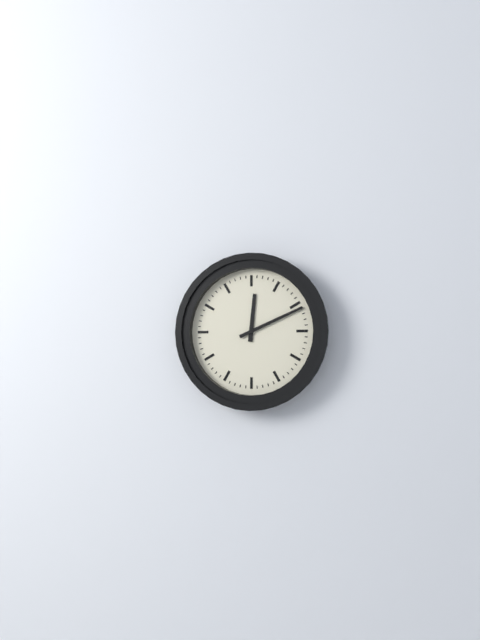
12.11
